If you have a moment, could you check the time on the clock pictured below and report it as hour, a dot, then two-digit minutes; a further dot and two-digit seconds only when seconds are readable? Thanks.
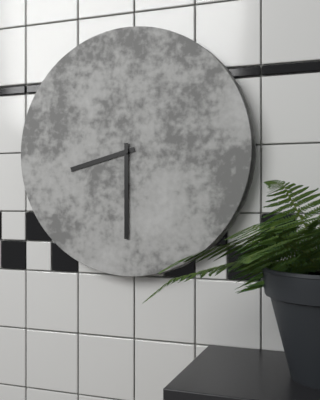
8.30
